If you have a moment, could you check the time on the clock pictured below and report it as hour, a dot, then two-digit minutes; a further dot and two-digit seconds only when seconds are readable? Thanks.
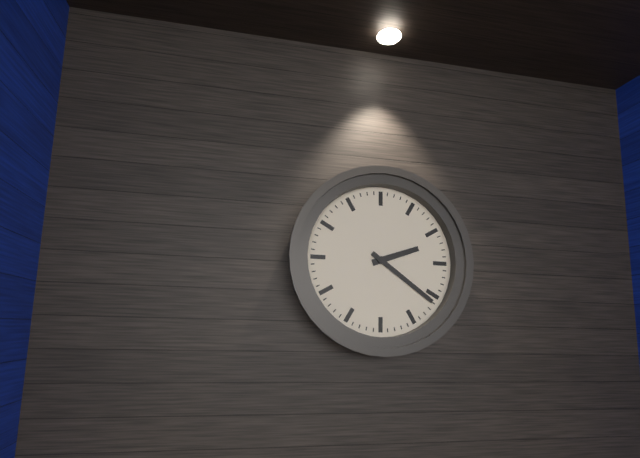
2.21
